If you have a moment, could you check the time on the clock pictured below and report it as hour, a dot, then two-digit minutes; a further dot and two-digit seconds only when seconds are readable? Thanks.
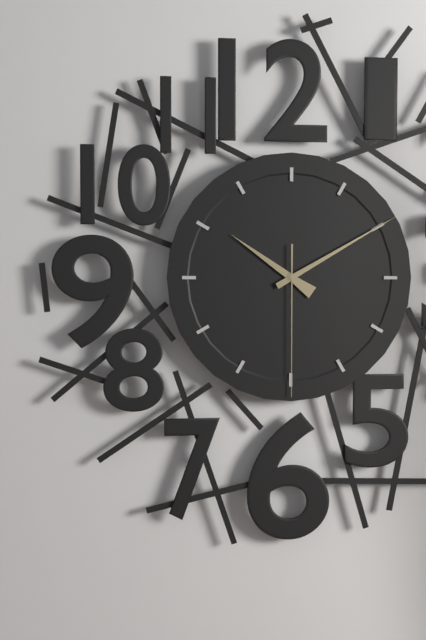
10.10.30
